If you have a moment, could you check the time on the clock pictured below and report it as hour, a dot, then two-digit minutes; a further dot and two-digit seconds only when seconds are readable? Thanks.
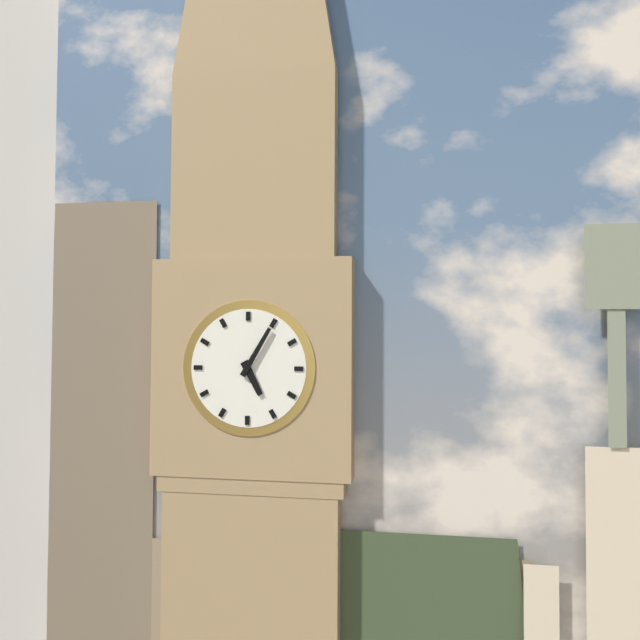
5.05
